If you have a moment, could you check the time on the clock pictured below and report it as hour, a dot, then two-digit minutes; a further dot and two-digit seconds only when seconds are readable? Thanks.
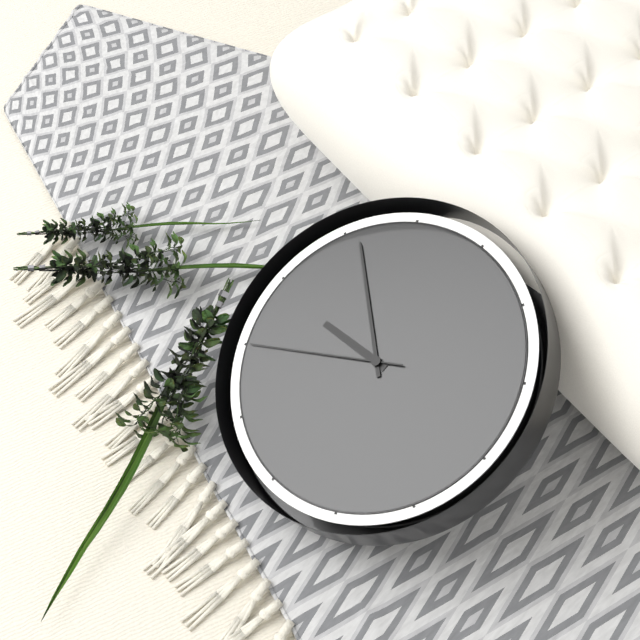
8.51.40
